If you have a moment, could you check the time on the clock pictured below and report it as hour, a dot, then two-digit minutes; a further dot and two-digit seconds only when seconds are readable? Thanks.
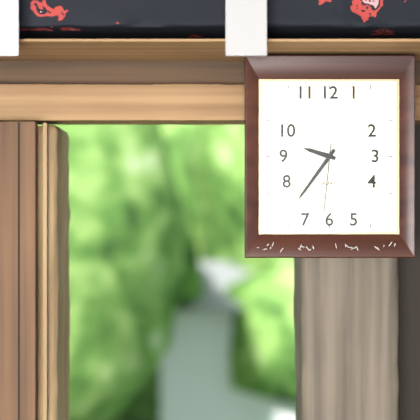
9.36.31
